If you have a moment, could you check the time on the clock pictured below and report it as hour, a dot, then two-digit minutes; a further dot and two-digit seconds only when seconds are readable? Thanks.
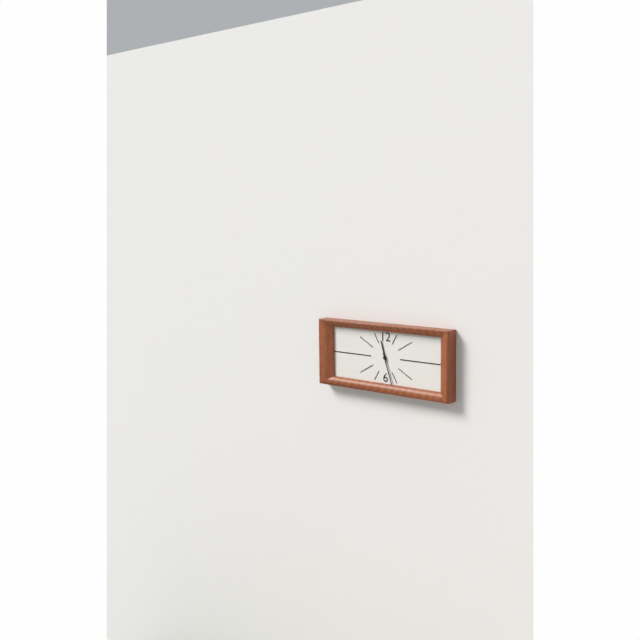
11.27
